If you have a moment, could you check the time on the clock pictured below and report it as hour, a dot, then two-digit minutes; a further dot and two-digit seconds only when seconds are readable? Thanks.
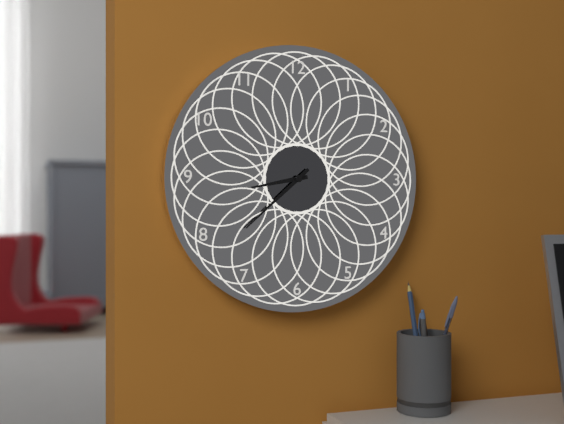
8.38
